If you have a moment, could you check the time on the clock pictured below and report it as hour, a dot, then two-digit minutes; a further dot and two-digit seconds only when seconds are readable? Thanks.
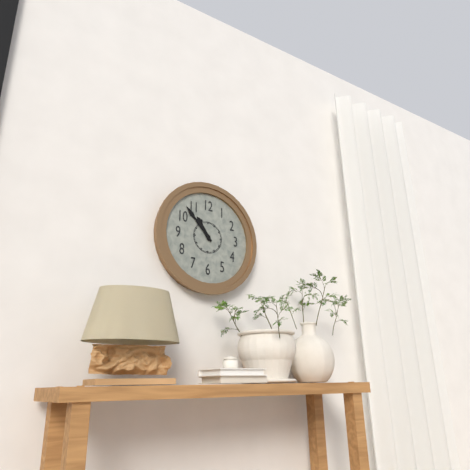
10.53
